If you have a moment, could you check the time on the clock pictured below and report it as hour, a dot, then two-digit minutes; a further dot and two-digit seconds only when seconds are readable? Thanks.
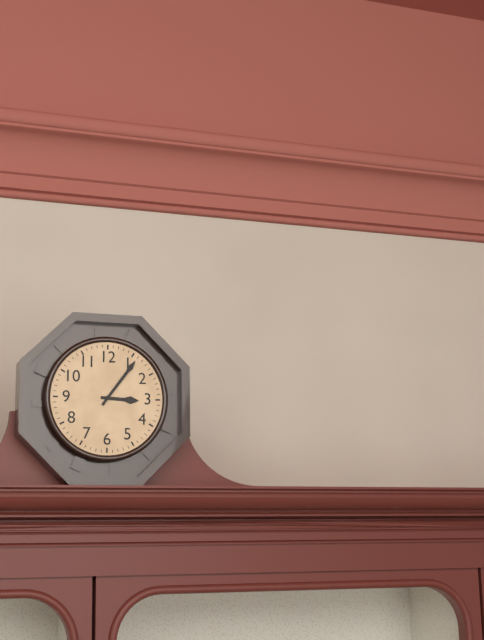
3.06
